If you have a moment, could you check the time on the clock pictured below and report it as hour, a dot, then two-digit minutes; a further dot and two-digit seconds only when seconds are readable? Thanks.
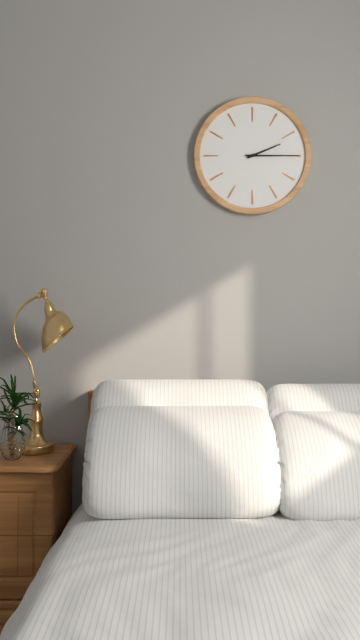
2.15
